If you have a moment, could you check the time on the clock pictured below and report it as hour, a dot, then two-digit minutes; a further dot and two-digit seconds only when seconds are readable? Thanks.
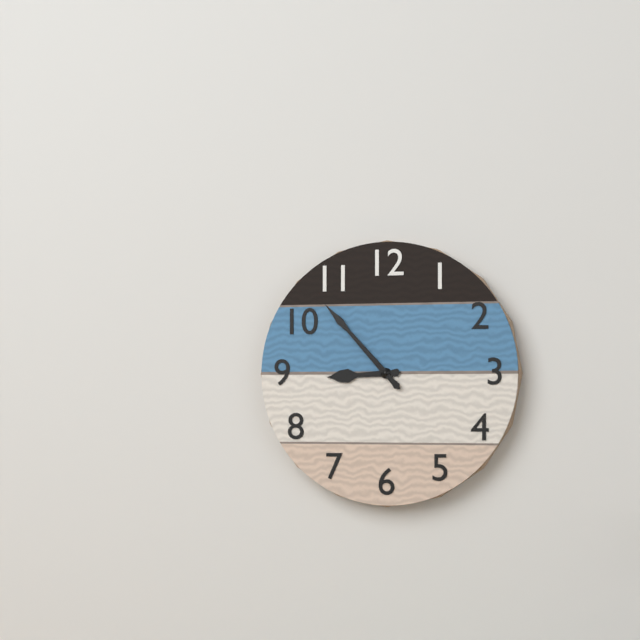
8.53
